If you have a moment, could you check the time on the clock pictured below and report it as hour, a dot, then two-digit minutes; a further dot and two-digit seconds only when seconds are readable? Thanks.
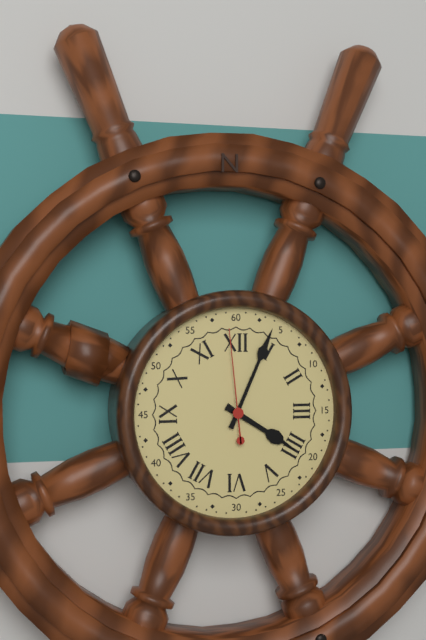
4.04.59
